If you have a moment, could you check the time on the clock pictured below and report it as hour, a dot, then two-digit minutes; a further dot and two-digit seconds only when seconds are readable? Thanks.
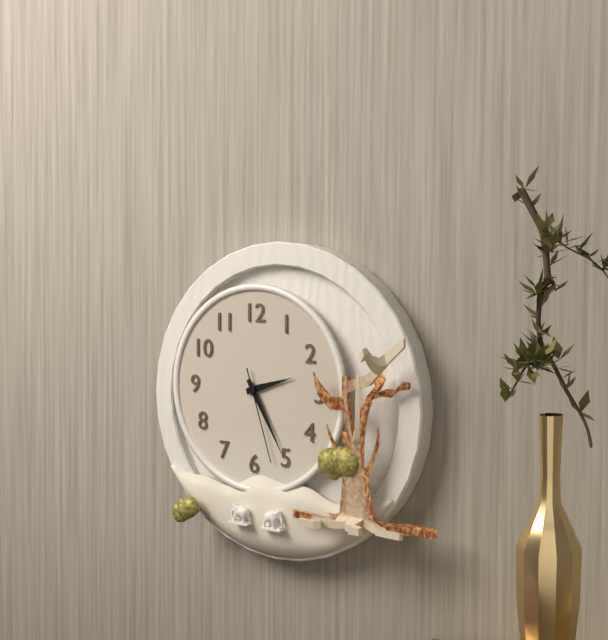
2.25.27
